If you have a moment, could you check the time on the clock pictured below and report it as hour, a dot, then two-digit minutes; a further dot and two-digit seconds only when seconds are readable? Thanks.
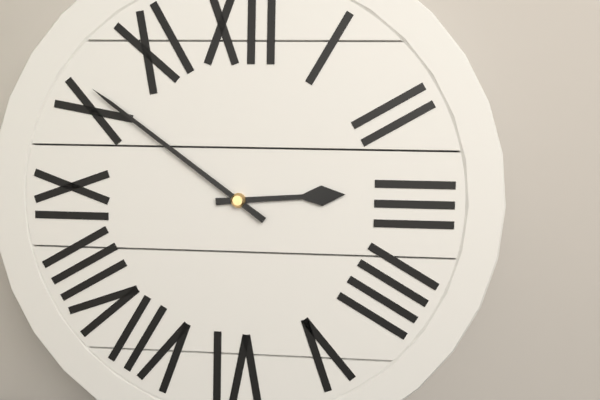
2.51
